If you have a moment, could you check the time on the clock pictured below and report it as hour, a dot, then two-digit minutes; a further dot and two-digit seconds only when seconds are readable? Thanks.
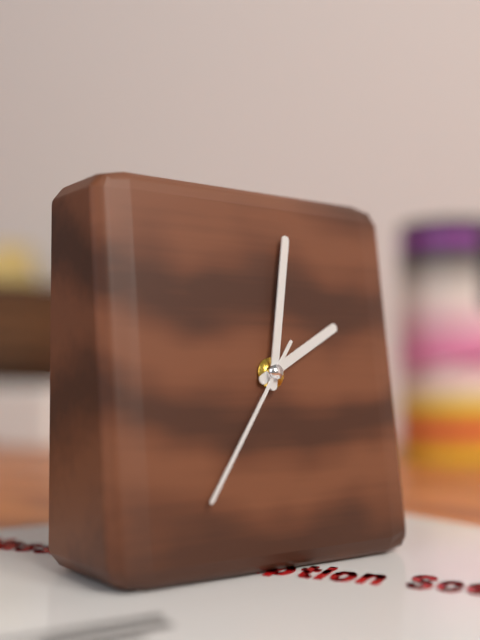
2.02.36
